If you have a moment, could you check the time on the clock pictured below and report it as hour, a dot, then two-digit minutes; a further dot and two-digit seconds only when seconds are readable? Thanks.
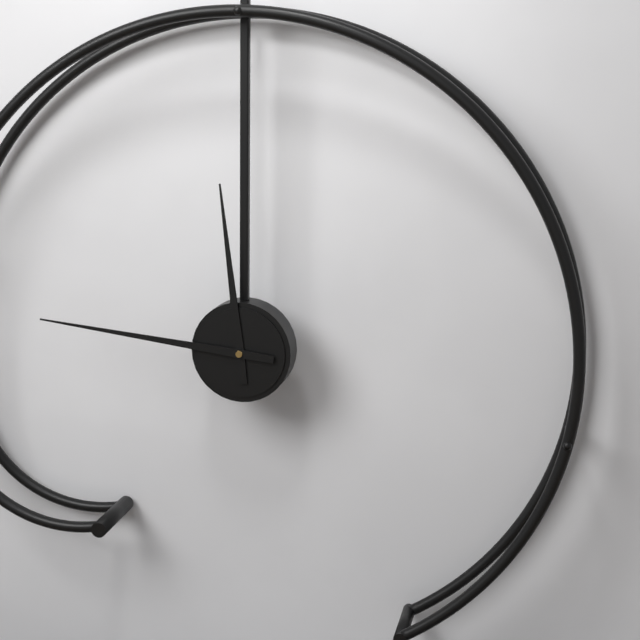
11.46
